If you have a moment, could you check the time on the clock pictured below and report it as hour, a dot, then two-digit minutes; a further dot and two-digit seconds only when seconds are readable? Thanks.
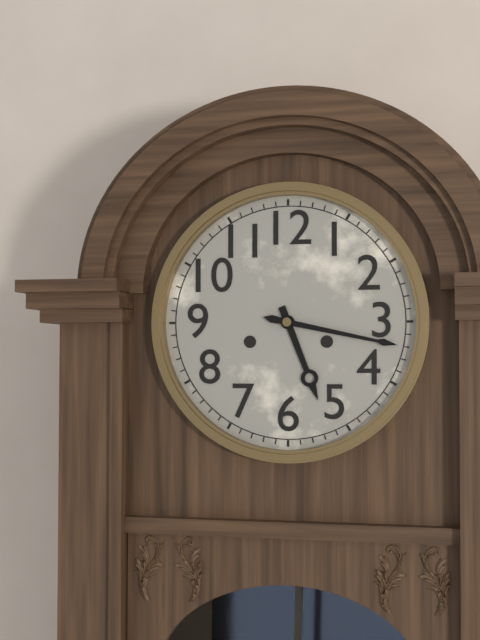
5.17
